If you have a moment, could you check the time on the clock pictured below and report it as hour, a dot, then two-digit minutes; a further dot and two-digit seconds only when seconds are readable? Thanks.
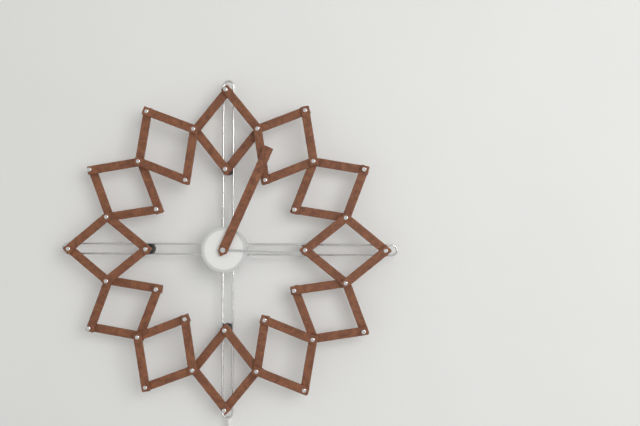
3.04
